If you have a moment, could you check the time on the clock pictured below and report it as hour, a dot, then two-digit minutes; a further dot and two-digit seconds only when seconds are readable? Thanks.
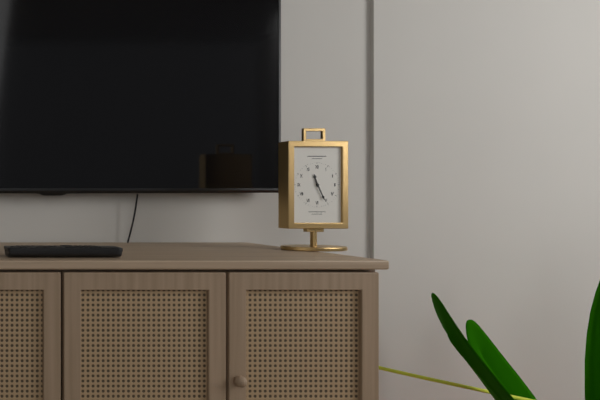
11.26
